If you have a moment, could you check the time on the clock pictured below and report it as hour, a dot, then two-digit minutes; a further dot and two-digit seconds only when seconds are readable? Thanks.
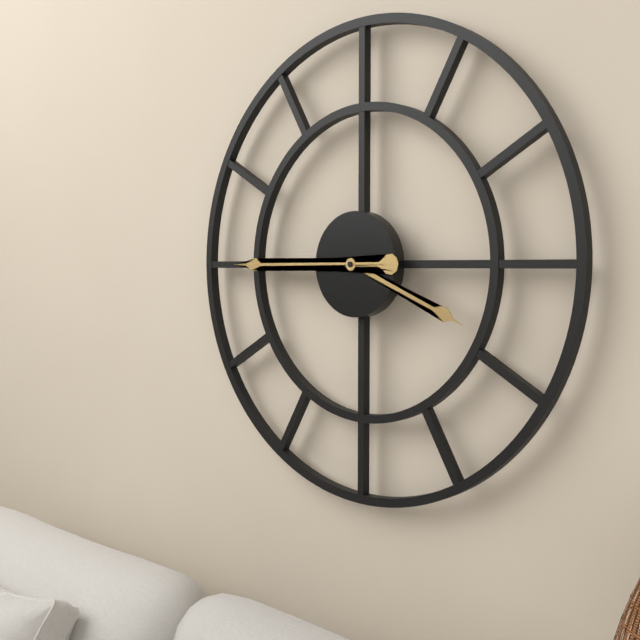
3.45
